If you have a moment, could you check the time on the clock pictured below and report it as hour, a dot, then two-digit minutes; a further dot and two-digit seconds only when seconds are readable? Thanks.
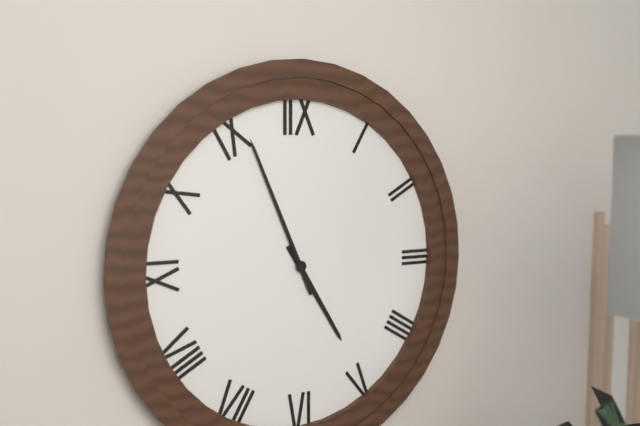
4.56
